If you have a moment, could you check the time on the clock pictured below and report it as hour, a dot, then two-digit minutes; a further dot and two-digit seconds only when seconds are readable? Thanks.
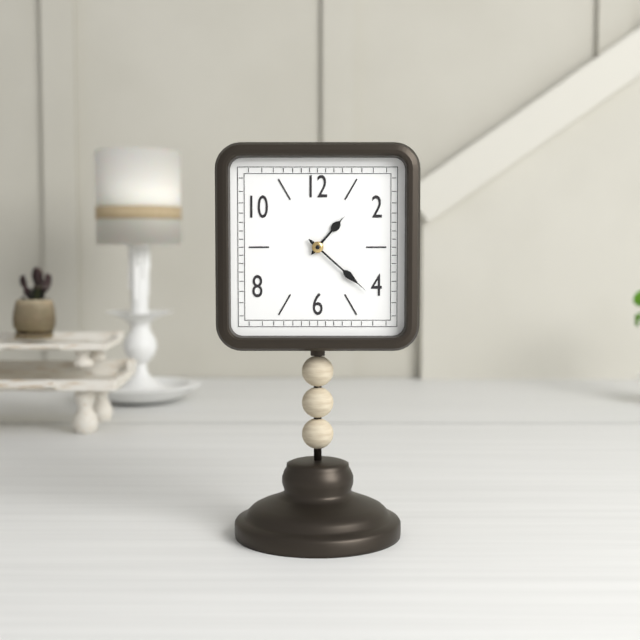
1.22
